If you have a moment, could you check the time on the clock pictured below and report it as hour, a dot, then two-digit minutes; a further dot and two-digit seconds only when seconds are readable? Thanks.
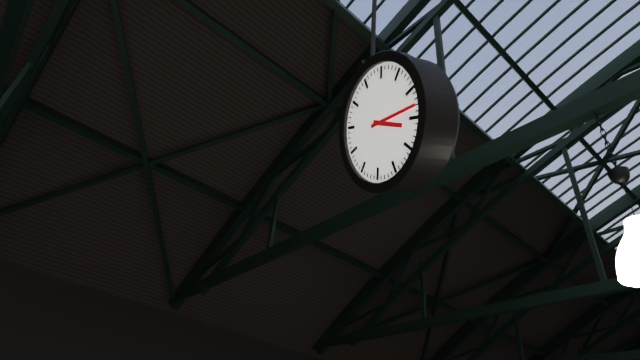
4.18
